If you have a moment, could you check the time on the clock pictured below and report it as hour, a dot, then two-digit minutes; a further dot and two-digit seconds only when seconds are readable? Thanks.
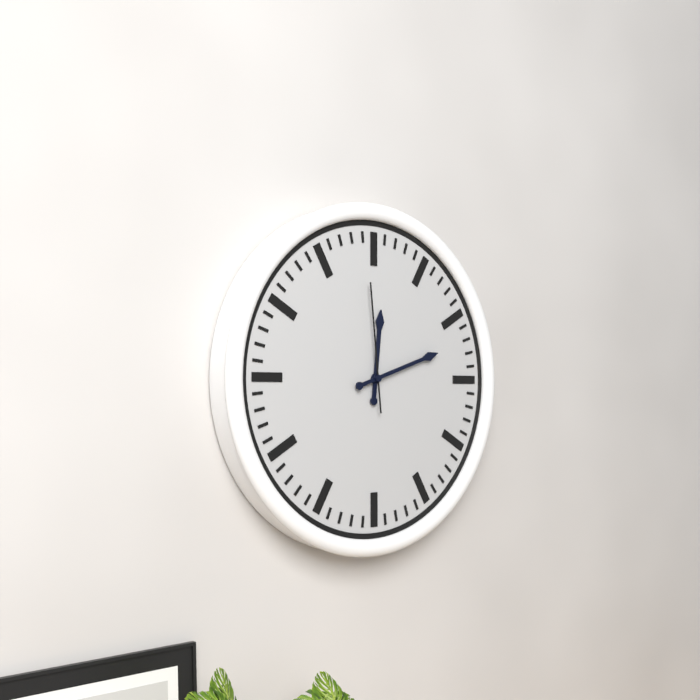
12.12.59
